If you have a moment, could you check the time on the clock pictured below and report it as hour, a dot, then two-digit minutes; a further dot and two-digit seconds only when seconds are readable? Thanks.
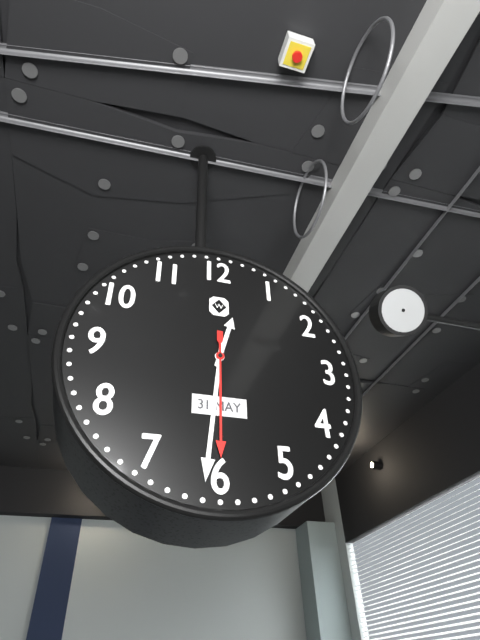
12.31.30
